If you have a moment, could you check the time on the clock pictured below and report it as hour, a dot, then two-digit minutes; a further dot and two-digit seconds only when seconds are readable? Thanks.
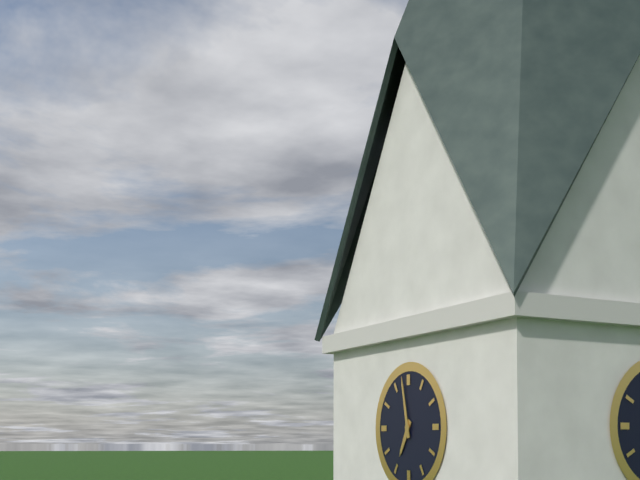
6.58
